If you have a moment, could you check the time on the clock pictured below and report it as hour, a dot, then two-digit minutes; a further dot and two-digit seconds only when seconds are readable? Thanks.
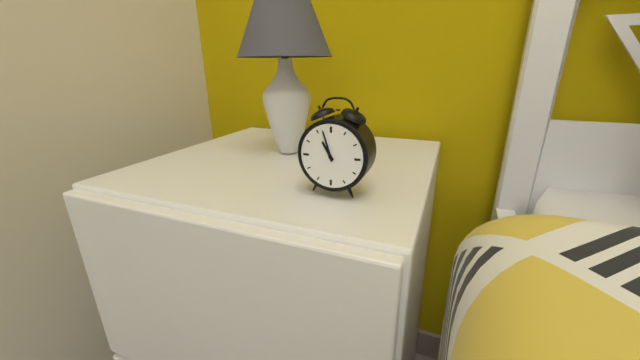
10.57
